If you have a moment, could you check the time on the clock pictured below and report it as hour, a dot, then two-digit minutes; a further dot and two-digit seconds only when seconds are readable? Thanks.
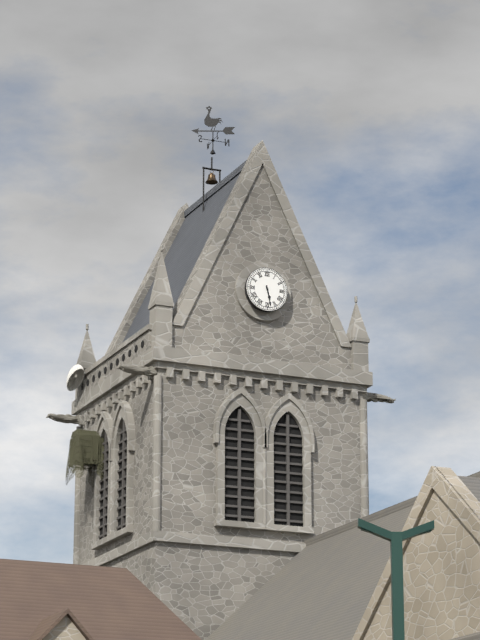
5.28
